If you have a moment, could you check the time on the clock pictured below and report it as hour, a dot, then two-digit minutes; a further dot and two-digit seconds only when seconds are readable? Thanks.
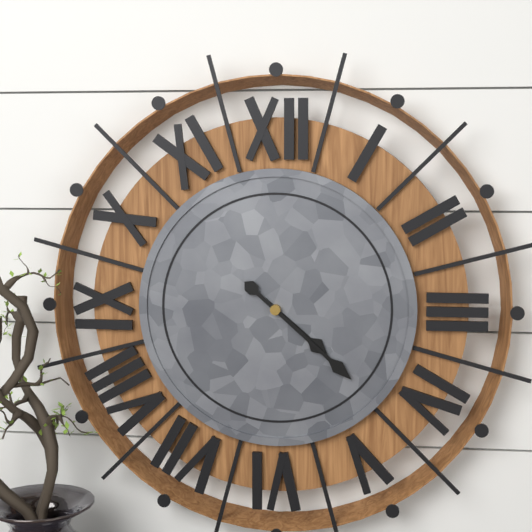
4.22
